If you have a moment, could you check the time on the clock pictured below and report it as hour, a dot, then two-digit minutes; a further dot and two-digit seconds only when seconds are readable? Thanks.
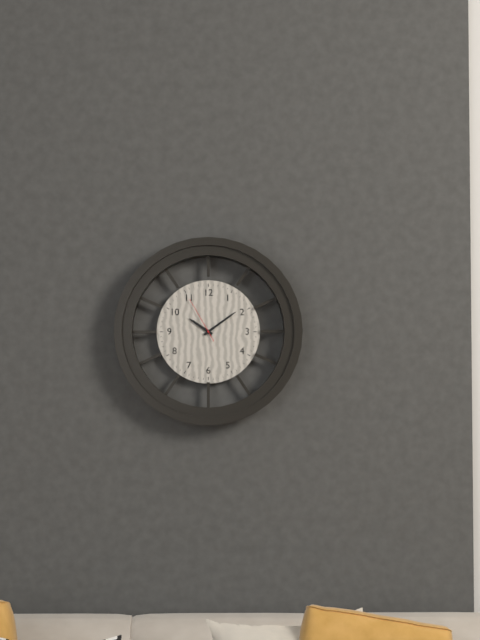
10.09
